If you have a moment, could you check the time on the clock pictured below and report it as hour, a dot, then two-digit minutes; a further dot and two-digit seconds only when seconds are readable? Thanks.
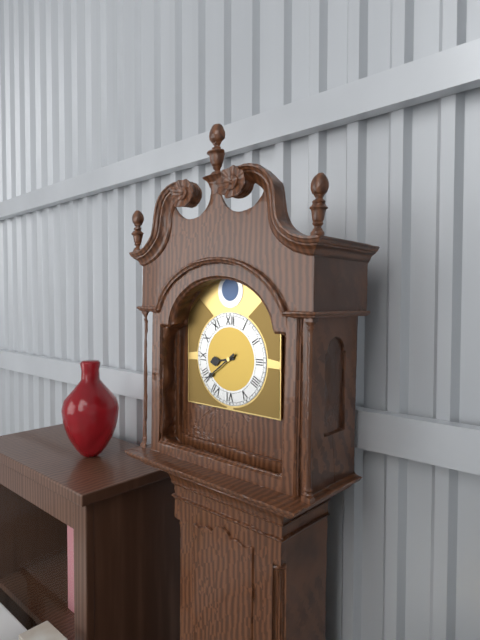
8.39
